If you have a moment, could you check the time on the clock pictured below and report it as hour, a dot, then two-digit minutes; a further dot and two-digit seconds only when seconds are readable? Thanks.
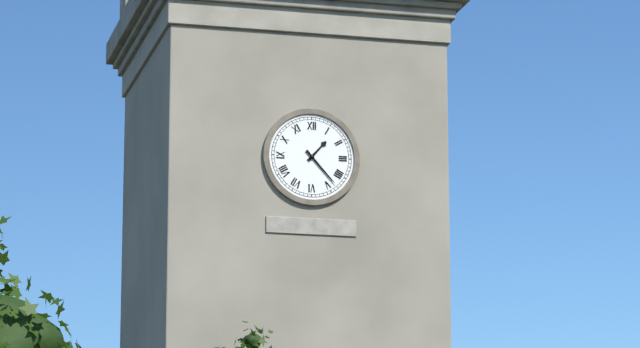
1.23
